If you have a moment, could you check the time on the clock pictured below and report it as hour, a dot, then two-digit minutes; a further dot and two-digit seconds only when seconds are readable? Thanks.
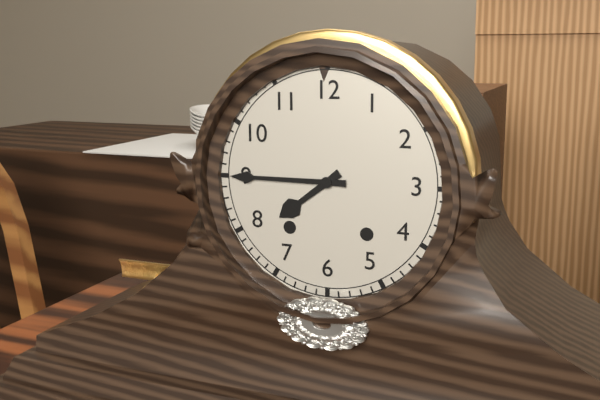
7.45
